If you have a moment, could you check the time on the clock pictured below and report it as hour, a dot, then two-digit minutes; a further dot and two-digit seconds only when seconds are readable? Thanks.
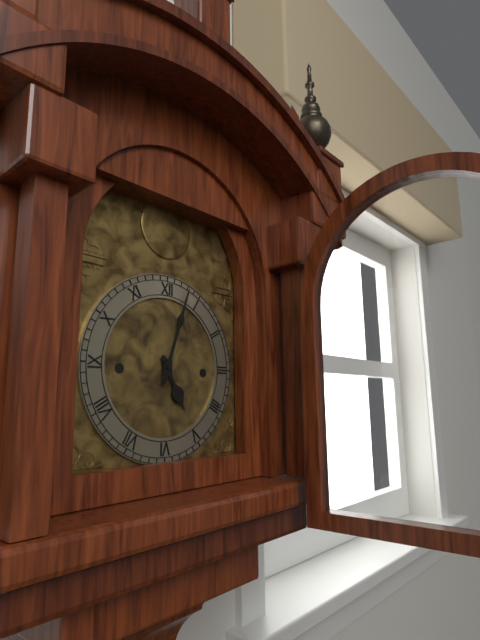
5.03
